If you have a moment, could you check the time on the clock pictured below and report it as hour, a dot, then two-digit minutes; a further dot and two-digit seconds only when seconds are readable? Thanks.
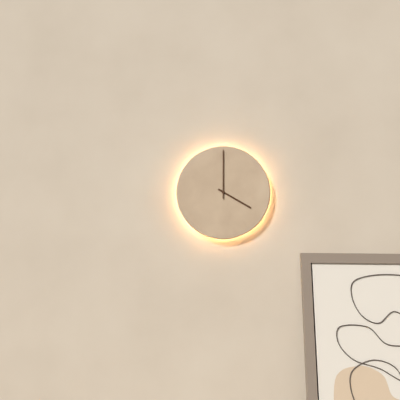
4.00
